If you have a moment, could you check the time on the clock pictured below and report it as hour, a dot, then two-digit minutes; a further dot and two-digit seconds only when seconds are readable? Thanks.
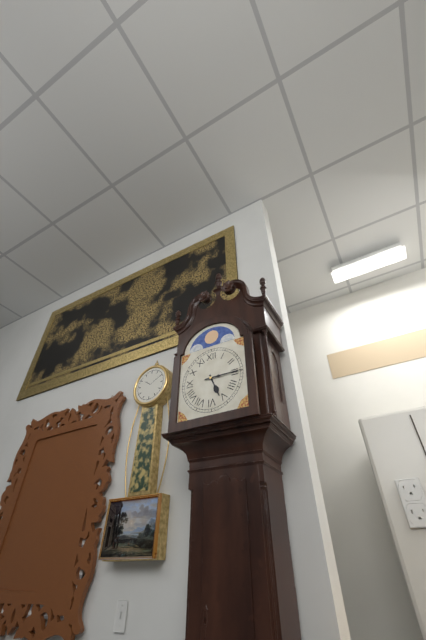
5.15
